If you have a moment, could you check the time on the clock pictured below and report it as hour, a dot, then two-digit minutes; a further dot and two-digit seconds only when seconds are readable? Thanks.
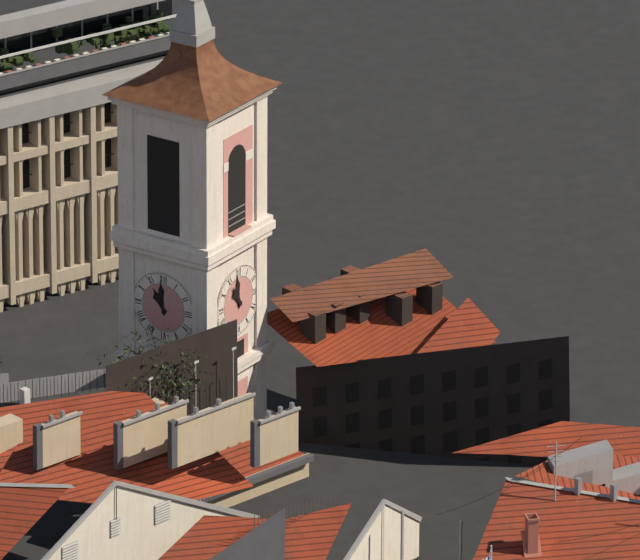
10.59
